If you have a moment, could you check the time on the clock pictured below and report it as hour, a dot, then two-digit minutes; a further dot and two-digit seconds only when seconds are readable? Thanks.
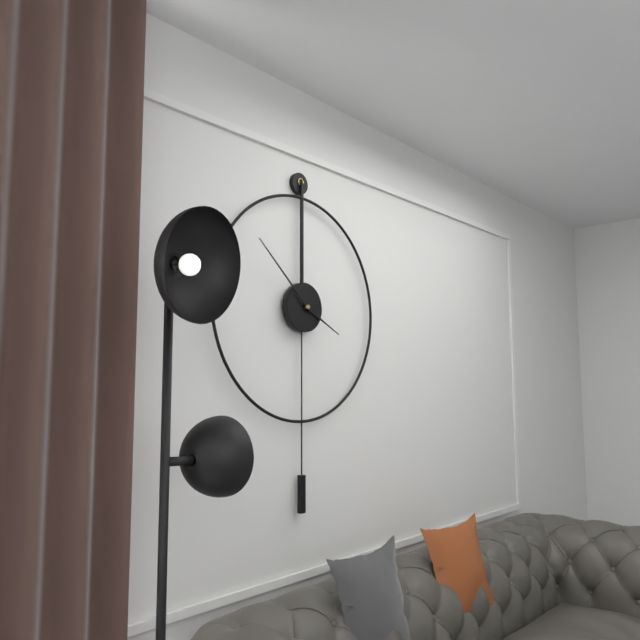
3.52
